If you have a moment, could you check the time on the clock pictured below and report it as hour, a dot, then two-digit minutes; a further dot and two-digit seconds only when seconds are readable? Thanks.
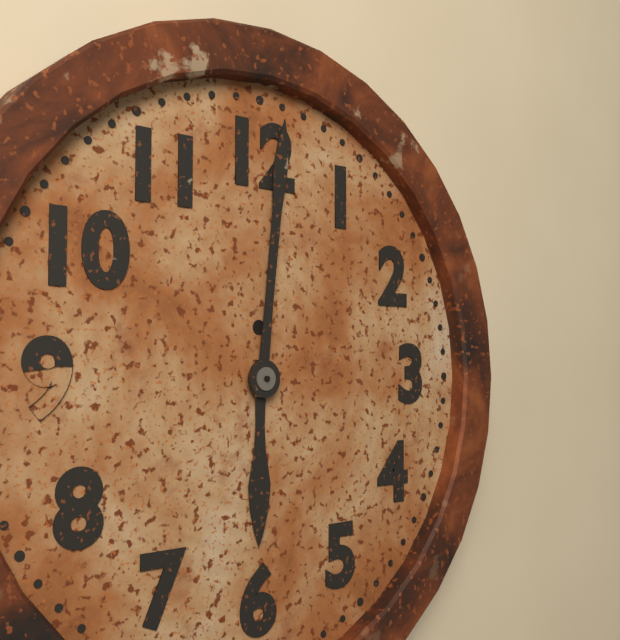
6.01
